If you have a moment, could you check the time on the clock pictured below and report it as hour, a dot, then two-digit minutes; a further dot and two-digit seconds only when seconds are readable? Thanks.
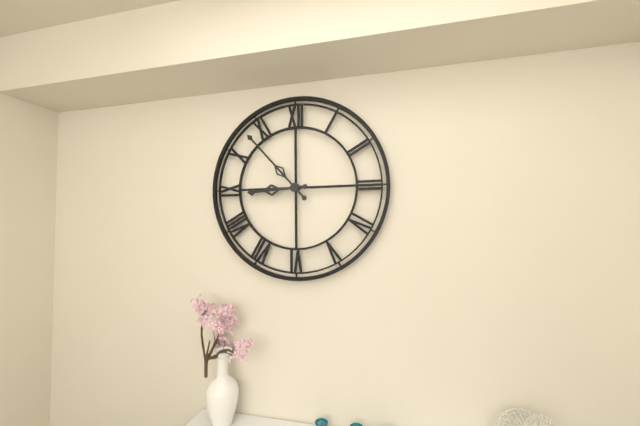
8.53
